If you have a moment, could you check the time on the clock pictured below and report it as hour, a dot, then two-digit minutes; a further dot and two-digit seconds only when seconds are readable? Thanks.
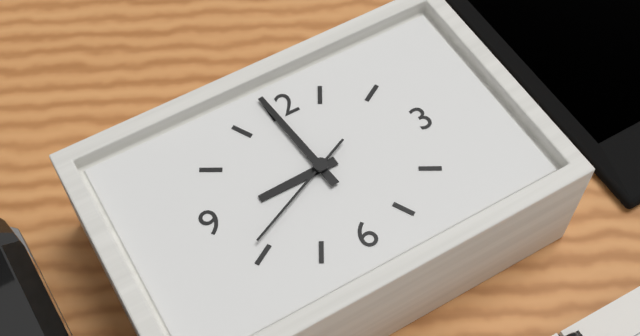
8.59.41
